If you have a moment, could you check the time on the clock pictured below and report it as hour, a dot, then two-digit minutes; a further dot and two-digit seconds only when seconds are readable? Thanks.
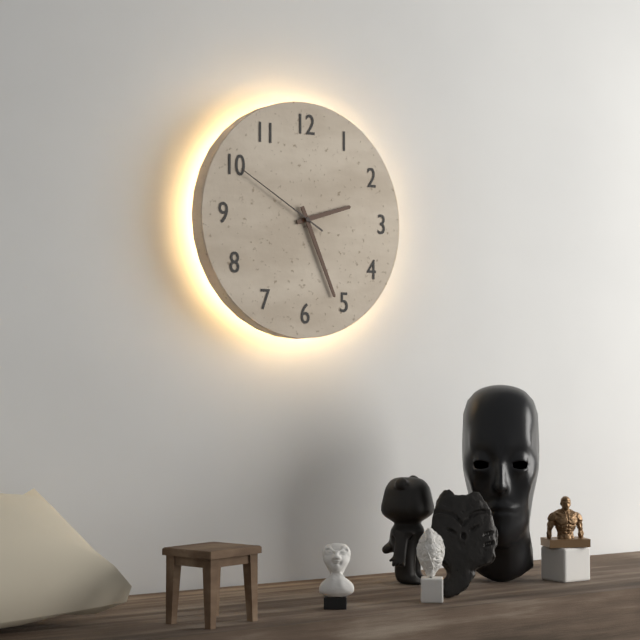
2.26.50
